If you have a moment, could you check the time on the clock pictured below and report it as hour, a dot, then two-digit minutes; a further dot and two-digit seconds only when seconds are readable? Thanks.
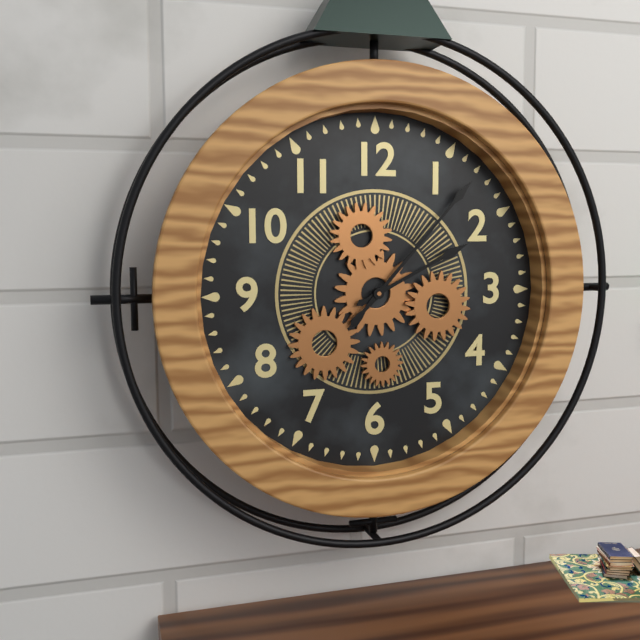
2.07
